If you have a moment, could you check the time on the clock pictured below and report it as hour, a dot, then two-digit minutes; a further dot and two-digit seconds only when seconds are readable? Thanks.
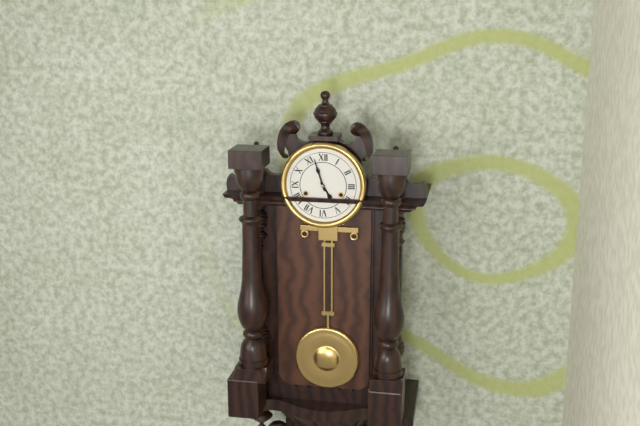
4.57
